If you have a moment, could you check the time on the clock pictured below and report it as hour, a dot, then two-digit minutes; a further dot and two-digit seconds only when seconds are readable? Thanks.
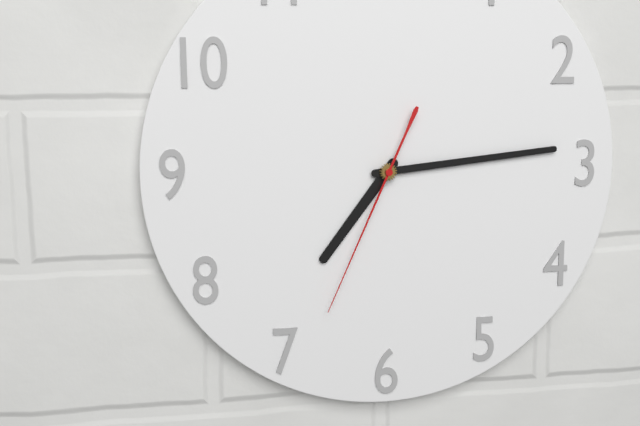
7.14.34
